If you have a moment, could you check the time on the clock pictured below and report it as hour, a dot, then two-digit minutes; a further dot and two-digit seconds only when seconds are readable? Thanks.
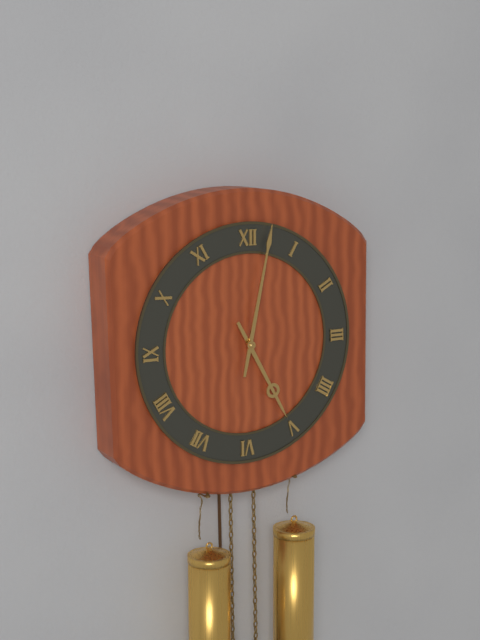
5.02
